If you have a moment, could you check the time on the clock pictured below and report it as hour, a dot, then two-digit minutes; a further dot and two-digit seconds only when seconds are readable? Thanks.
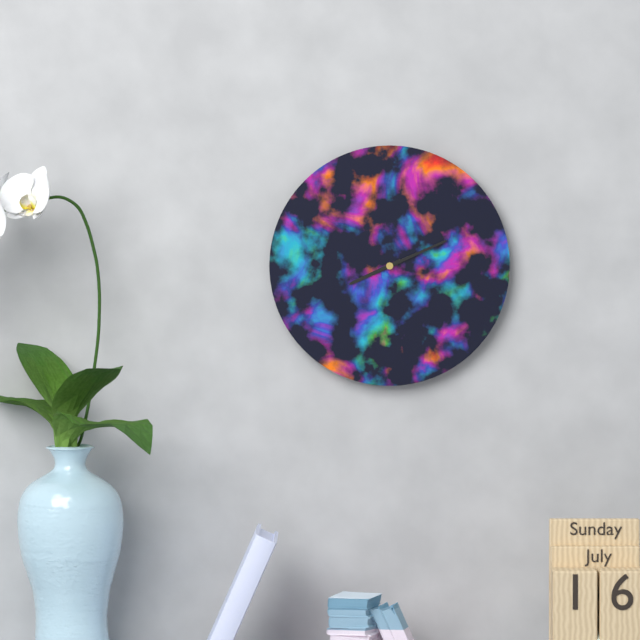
8.11
